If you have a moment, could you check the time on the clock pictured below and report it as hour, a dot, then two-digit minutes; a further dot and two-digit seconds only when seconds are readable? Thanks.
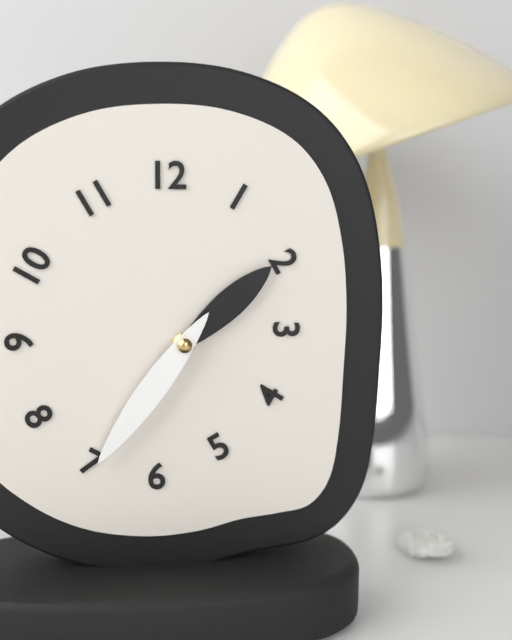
1.36
